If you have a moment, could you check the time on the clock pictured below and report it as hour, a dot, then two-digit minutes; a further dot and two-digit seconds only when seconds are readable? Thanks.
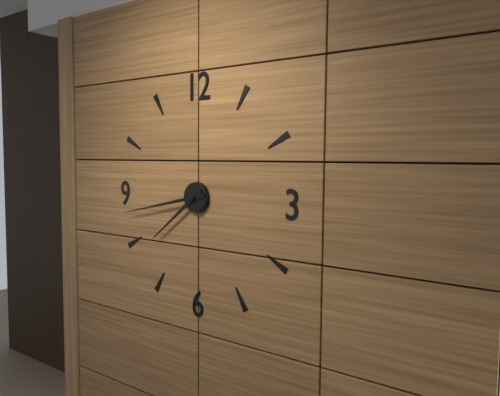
7.43
